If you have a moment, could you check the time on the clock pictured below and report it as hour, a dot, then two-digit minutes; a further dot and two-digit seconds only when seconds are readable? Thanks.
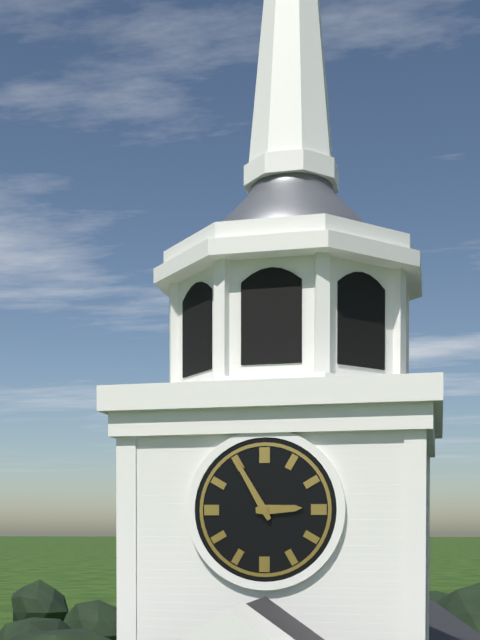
2.55
